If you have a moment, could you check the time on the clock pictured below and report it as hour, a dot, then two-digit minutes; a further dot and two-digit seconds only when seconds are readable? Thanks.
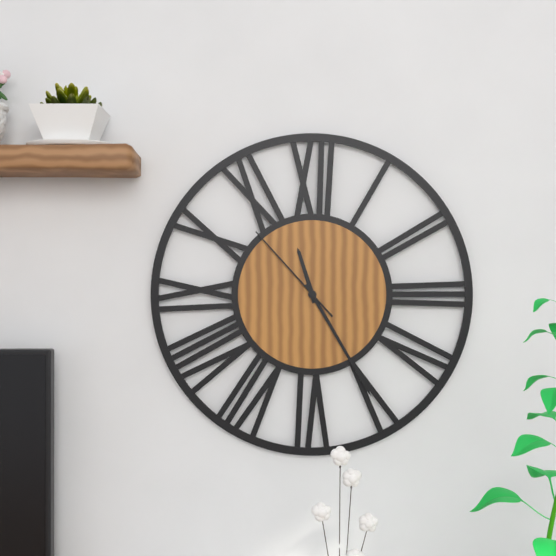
11.25.53
